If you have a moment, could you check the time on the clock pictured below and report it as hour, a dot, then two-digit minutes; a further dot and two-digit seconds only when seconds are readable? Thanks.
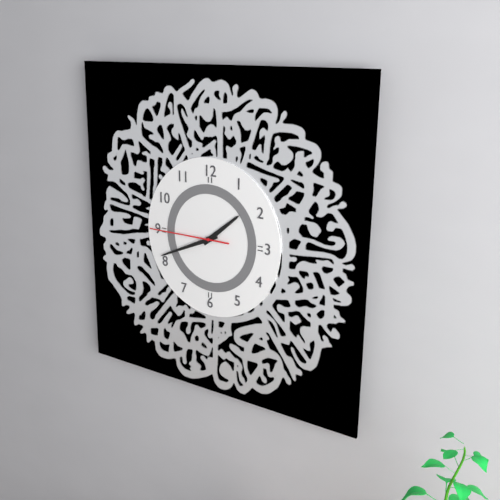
1.41.45
